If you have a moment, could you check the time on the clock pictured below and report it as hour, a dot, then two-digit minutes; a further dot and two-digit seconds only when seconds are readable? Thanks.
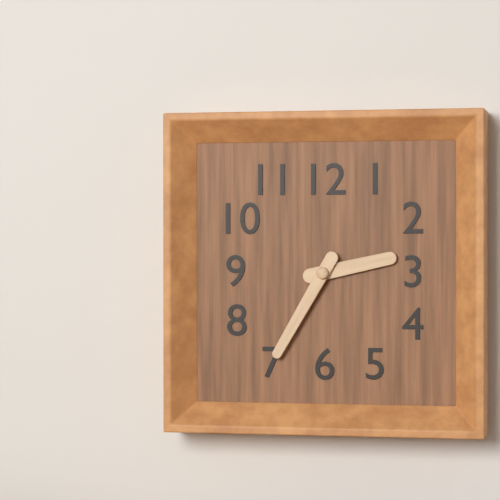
2.35
